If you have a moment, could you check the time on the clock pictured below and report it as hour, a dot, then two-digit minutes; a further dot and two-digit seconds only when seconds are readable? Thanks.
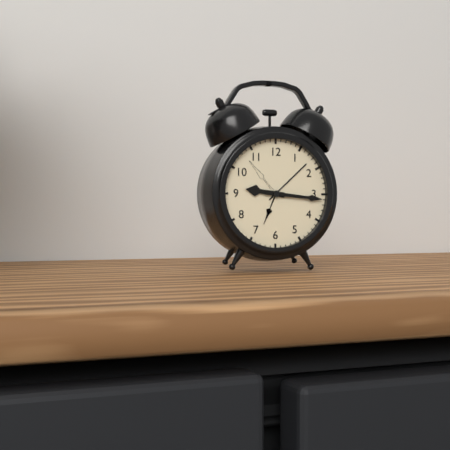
9.16
